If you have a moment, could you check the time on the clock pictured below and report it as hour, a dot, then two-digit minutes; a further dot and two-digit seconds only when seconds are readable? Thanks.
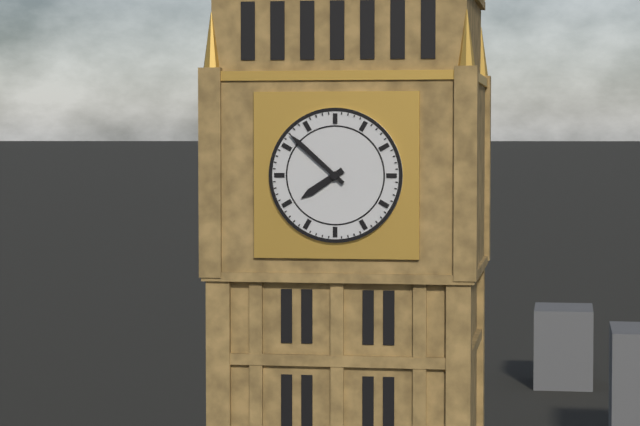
7.52
